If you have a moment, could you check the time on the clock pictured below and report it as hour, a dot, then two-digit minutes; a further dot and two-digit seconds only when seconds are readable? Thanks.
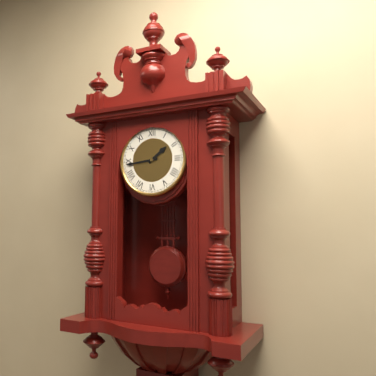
1.44
